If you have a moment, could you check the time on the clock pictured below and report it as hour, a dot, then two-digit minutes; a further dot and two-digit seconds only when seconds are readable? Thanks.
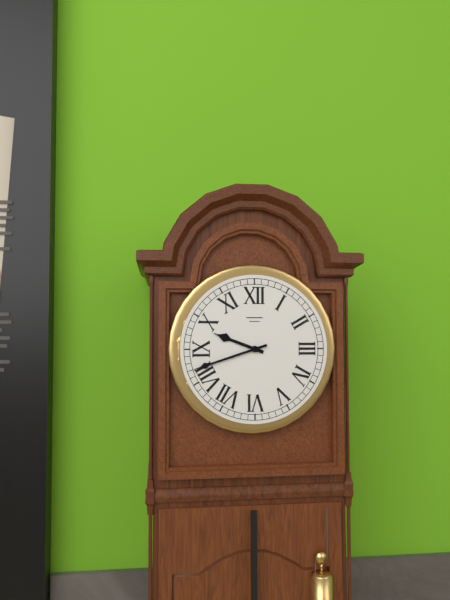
9.42
